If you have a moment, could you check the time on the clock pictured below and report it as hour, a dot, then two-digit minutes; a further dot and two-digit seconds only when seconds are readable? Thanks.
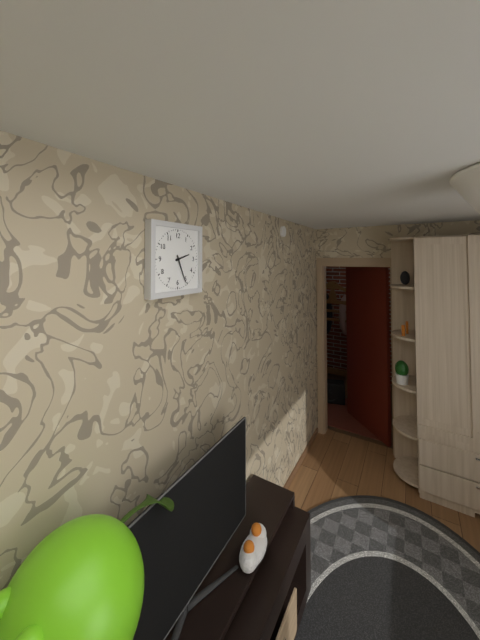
2.26
